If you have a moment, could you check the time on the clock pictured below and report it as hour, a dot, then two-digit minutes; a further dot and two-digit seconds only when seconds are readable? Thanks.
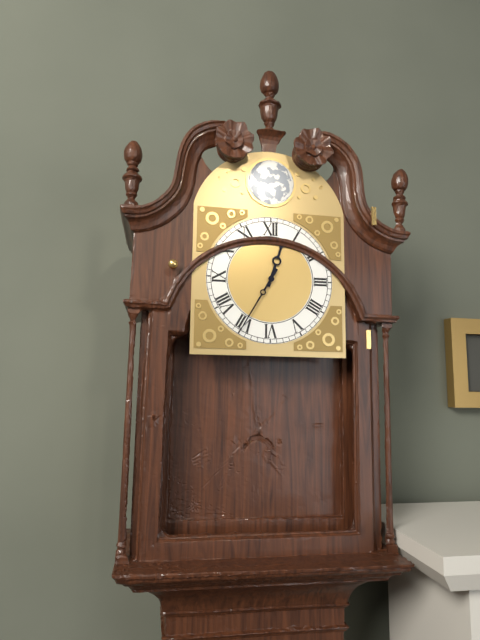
12.35
